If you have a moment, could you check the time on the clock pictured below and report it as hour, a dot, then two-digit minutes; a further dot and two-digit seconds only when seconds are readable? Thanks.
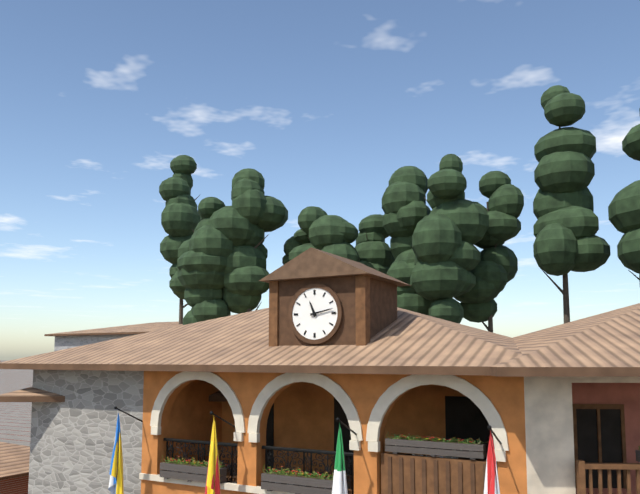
11.13
